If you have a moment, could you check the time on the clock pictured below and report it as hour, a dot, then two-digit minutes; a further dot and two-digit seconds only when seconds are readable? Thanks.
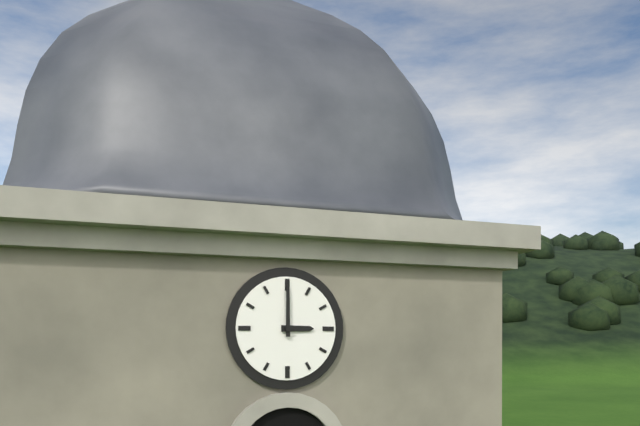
3.00
